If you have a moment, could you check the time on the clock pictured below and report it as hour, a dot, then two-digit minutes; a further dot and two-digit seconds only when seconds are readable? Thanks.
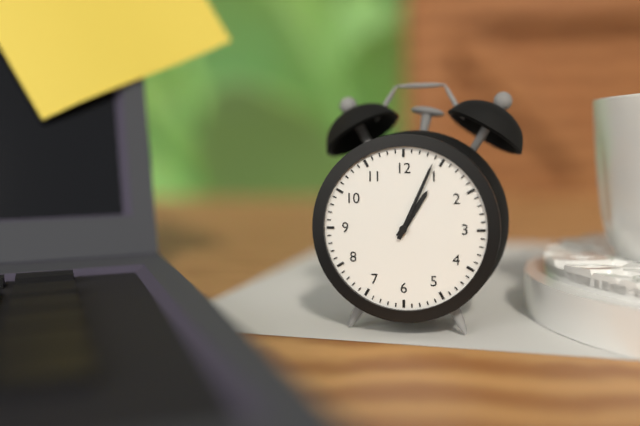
1.04
